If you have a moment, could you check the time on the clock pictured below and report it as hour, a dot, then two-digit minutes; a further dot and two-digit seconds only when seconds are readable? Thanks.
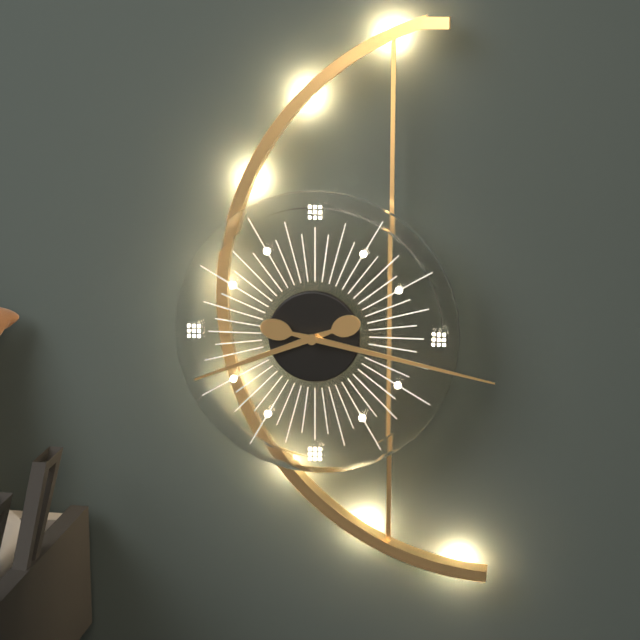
8.17
